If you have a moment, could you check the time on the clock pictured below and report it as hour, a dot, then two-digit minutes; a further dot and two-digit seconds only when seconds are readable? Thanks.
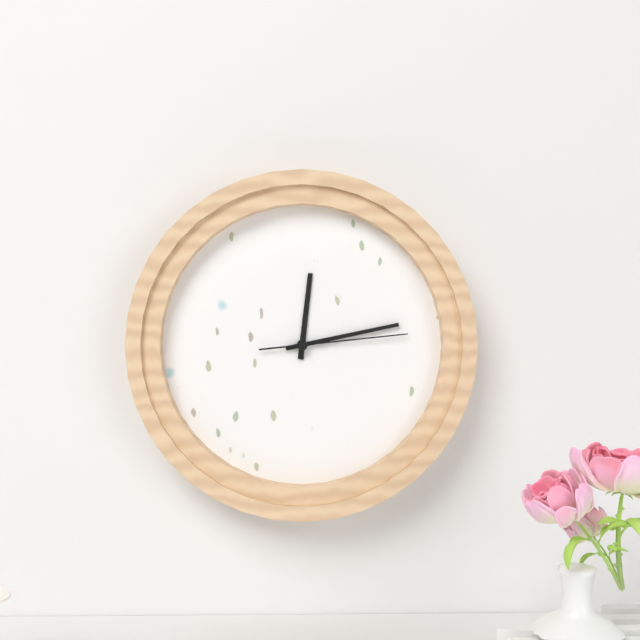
12.13.14
